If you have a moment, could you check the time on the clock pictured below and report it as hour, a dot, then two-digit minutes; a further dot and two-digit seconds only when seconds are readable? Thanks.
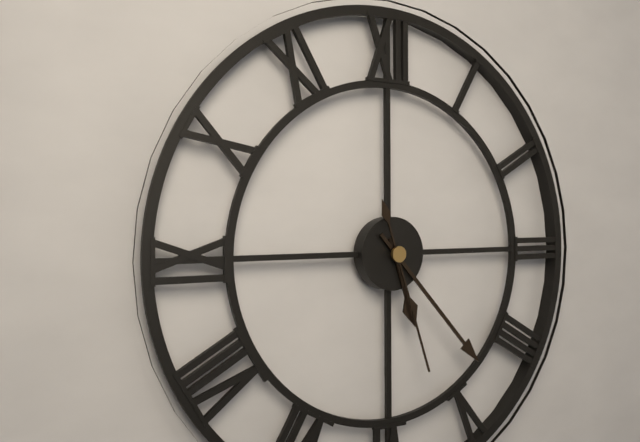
5.23.27
